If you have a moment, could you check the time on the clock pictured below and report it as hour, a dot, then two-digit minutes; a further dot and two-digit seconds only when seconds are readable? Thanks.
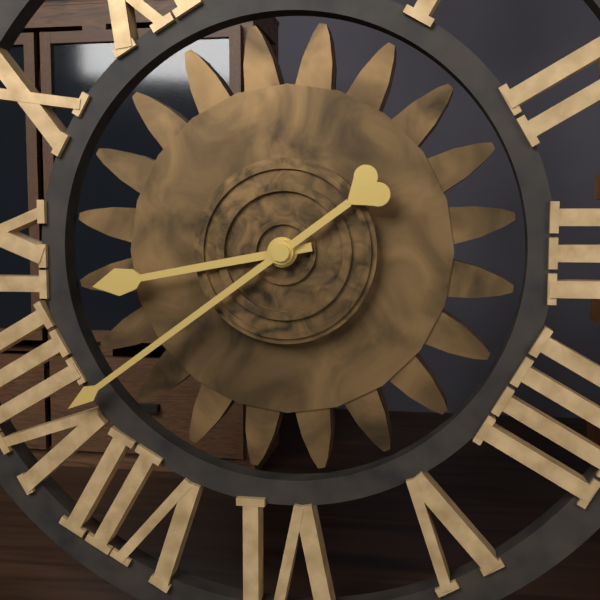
8.39
